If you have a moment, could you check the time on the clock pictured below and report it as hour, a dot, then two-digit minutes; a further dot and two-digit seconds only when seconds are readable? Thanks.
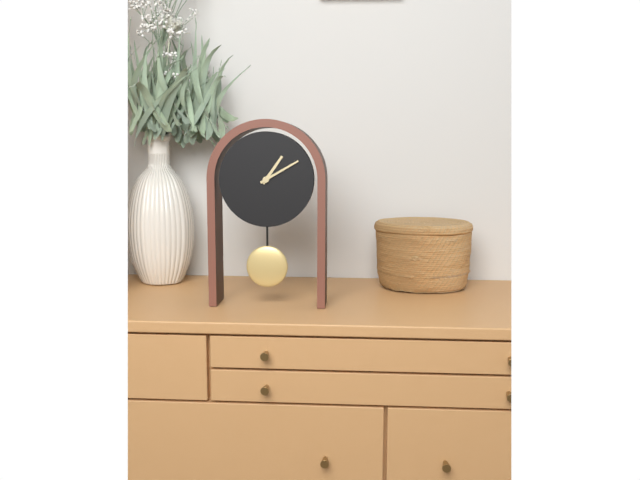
1.10
